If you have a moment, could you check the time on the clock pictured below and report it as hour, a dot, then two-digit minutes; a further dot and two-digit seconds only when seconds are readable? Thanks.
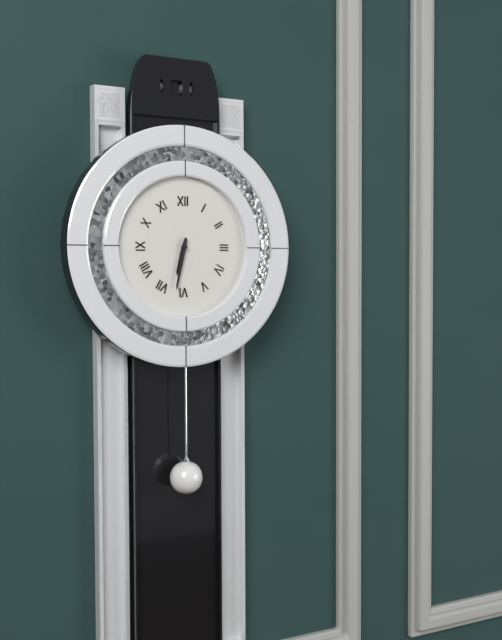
6.32
